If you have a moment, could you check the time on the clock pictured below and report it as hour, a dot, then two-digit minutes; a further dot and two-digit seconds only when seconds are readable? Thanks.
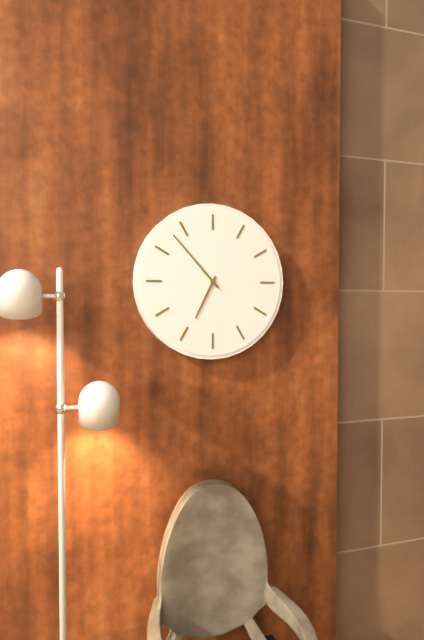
6.53
